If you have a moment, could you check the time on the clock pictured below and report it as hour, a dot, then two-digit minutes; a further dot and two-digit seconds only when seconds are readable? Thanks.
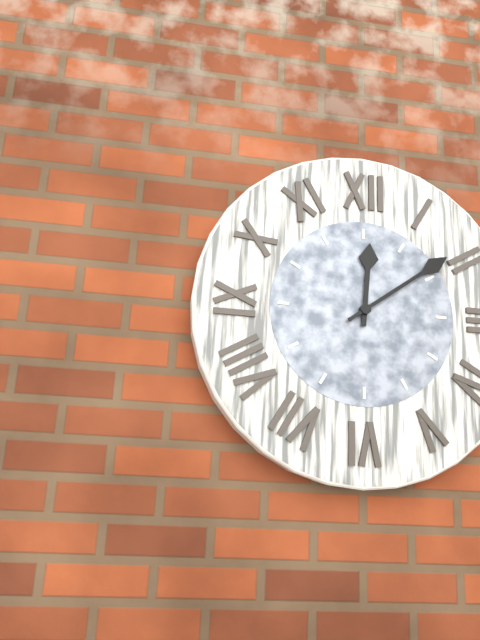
12.09
